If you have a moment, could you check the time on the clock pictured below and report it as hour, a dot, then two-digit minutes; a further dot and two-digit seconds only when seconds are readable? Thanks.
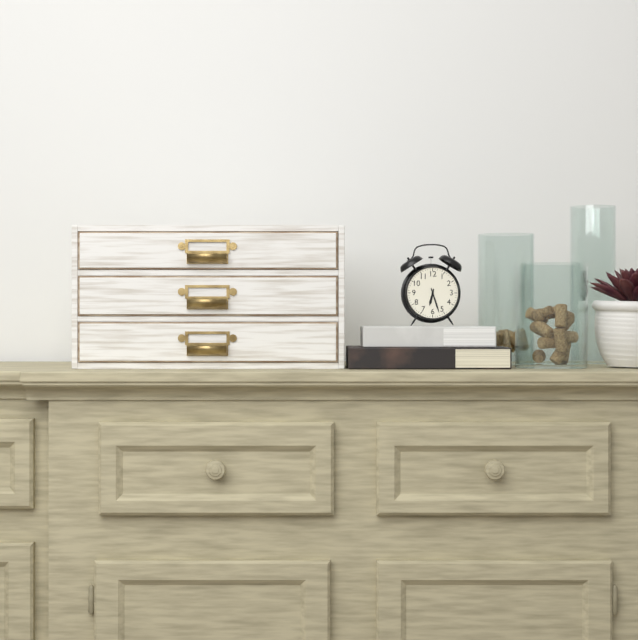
6.27
